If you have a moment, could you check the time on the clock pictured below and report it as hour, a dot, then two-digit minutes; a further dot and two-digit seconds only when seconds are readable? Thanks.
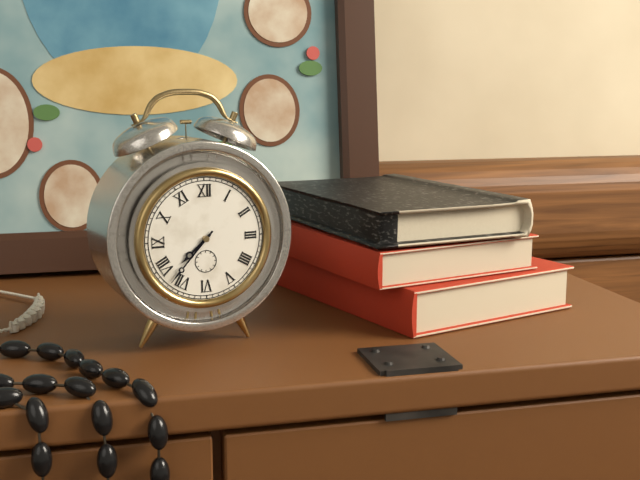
7.37
